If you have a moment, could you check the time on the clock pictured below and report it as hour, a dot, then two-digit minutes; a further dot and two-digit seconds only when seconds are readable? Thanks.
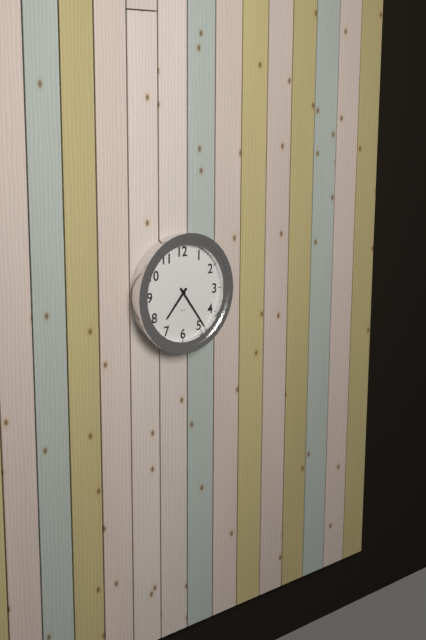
7.24
